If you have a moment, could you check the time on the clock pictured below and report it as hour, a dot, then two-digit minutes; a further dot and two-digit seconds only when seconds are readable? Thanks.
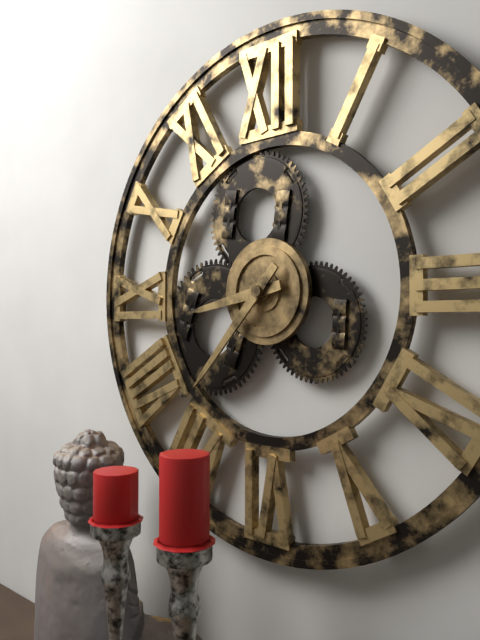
8.37
